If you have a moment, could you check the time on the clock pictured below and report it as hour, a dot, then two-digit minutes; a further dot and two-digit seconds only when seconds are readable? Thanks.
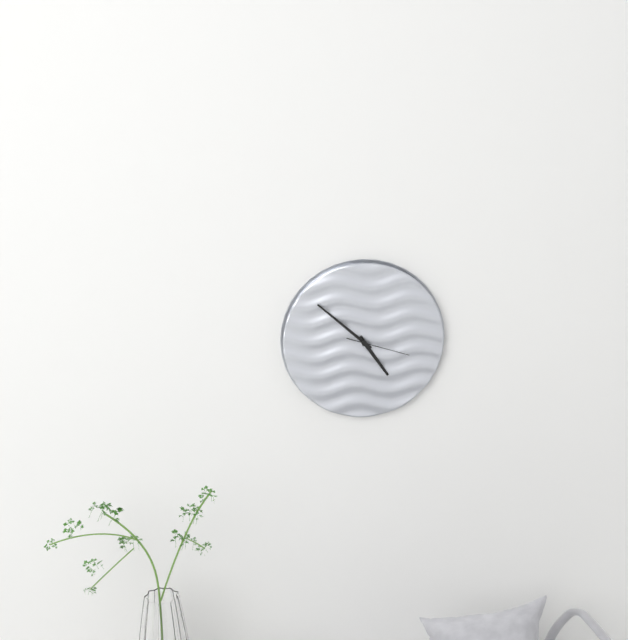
4.52.18
